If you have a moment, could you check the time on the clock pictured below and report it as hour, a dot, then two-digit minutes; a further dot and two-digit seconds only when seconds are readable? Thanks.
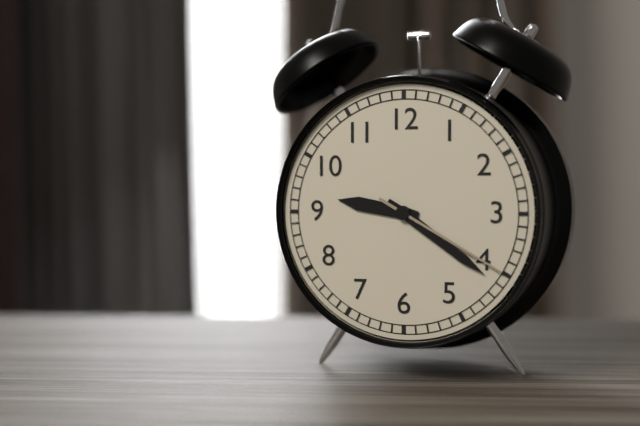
9.21.20
